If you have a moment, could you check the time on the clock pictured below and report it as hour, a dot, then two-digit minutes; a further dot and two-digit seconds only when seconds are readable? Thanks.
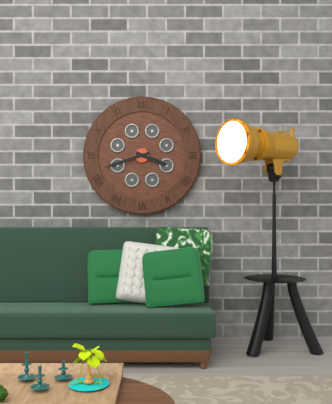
3.42
